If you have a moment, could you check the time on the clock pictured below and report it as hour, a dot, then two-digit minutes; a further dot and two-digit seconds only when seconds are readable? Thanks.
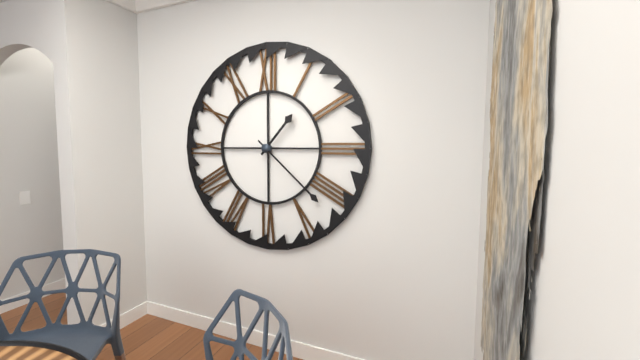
1.22
